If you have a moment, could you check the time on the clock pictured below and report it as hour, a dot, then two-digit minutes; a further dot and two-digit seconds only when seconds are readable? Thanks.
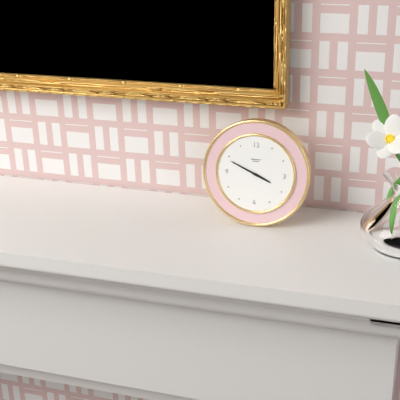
3.49
